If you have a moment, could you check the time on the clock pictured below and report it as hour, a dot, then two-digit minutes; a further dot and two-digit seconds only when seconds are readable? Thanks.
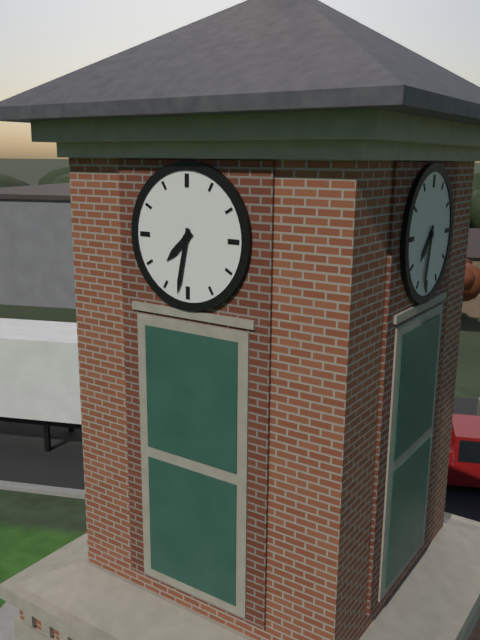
7.32
